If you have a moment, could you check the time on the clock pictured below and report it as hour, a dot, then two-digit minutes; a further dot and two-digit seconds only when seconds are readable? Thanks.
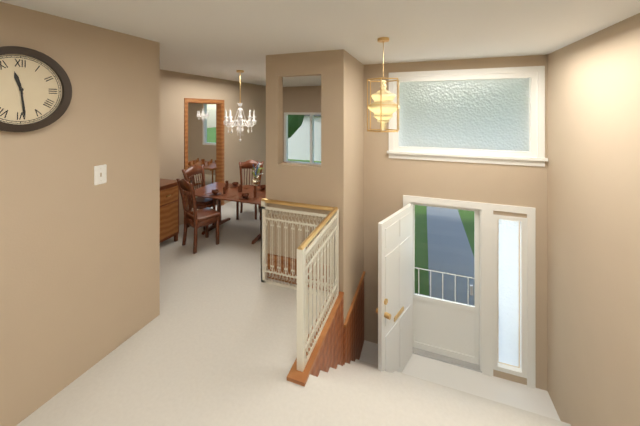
11.29
